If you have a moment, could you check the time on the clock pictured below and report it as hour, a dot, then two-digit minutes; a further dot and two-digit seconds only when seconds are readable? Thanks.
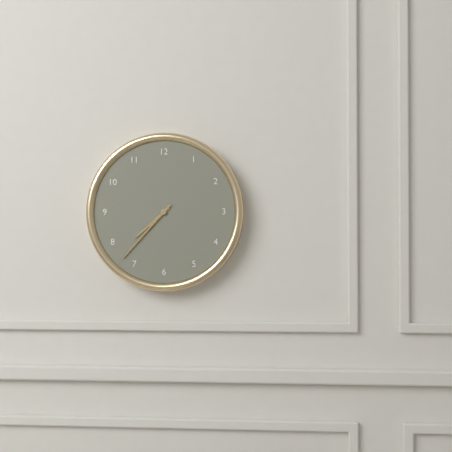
7.37
